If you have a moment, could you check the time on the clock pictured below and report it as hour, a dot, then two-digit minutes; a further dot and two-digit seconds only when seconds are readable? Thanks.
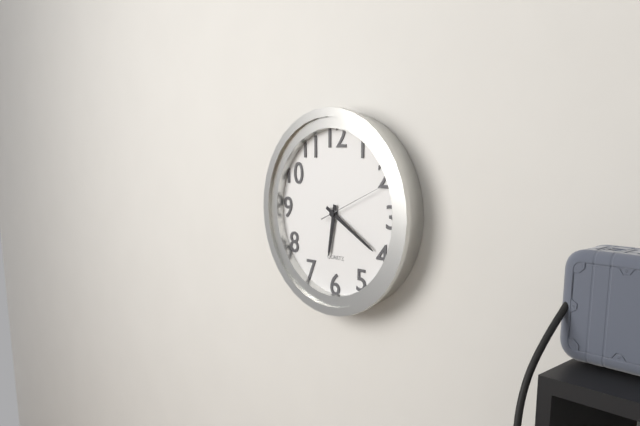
6.20.11
